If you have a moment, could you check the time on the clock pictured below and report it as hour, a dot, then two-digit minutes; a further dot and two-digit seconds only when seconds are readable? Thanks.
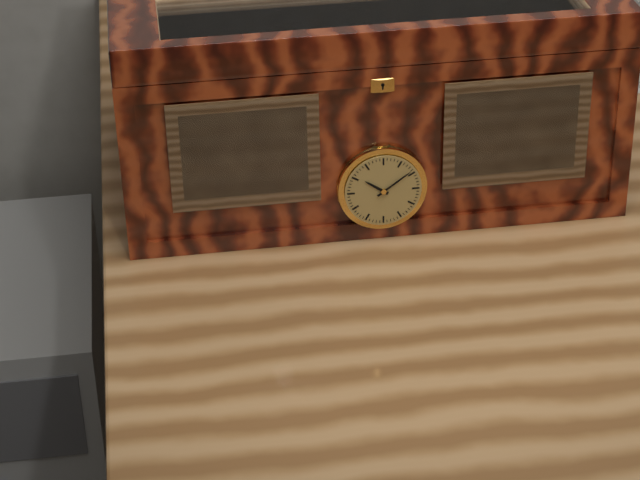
10.09
